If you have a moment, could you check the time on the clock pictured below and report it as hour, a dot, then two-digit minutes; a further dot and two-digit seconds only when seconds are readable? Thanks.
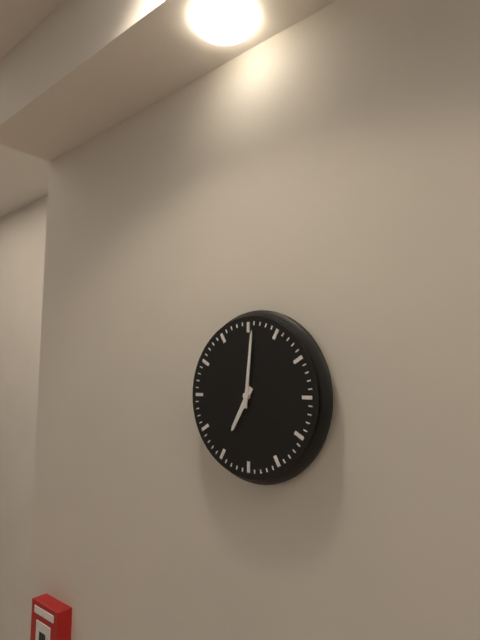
7.01
